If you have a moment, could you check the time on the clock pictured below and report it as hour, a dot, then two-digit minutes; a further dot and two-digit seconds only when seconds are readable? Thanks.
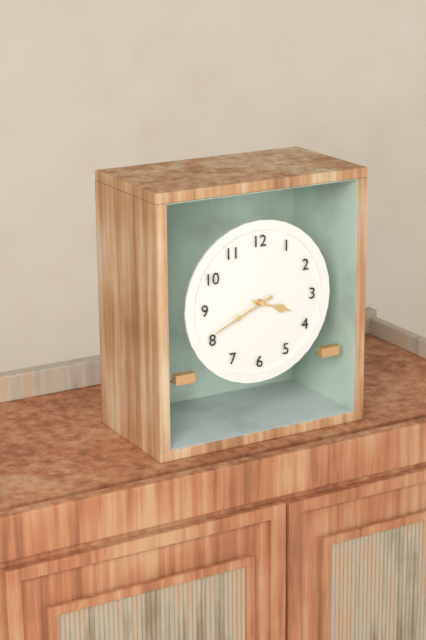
3.41
